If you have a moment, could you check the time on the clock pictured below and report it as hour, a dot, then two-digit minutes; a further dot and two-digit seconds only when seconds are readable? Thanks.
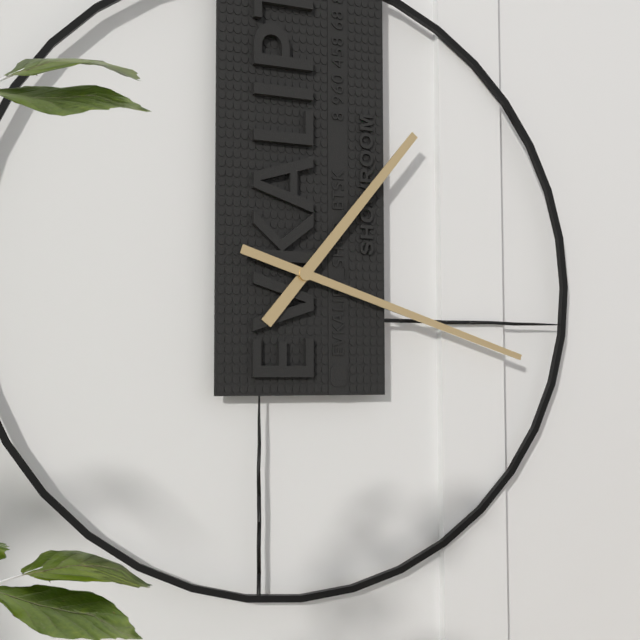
1.18
